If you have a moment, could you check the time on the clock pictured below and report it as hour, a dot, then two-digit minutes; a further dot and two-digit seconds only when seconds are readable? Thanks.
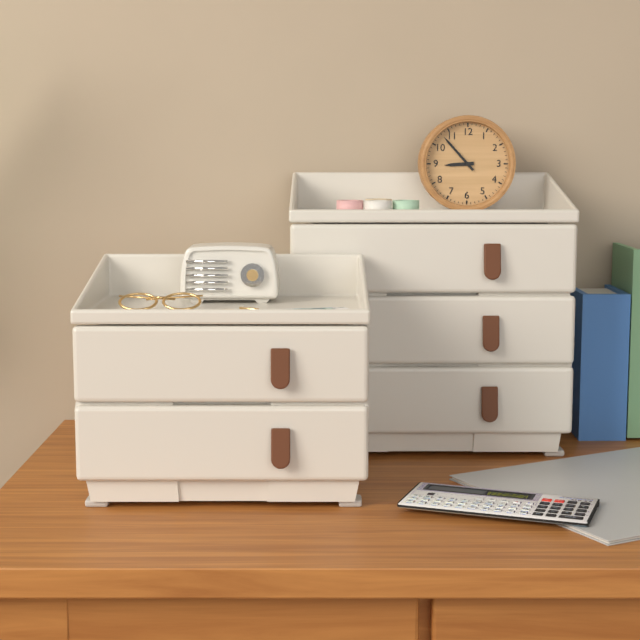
8.53
